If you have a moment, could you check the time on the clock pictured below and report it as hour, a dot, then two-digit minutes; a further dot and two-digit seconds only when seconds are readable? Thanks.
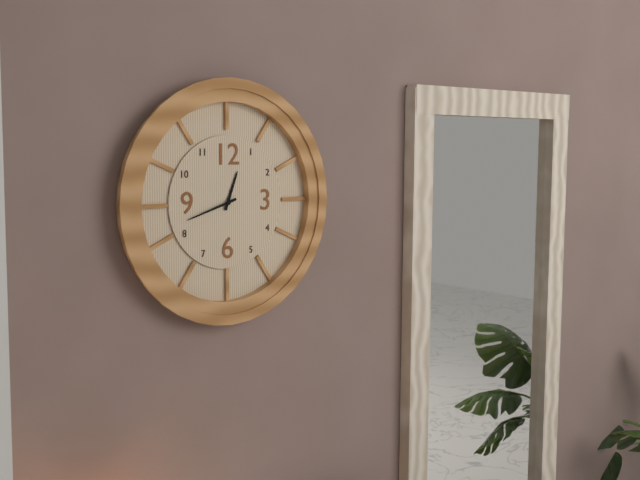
12.42
